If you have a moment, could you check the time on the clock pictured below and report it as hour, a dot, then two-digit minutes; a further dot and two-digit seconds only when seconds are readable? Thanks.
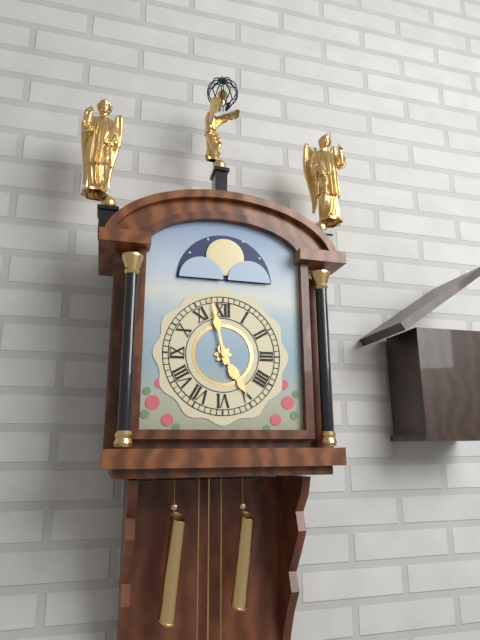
4.58
